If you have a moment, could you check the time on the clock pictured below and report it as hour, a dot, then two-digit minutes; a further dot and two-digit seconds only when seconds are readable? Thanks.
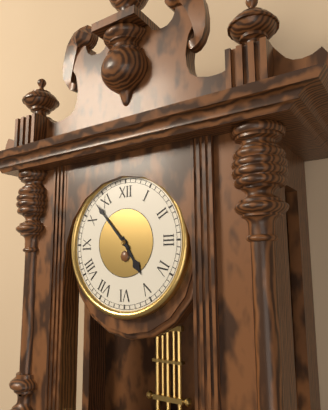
4.53
